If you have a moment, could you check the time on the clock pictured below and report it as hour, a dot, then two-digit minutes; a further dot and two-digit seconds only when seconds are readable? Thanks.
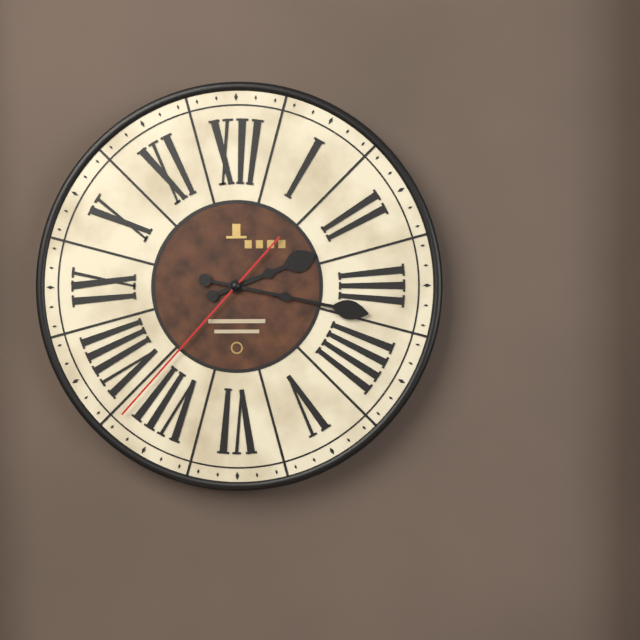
2.17.37
